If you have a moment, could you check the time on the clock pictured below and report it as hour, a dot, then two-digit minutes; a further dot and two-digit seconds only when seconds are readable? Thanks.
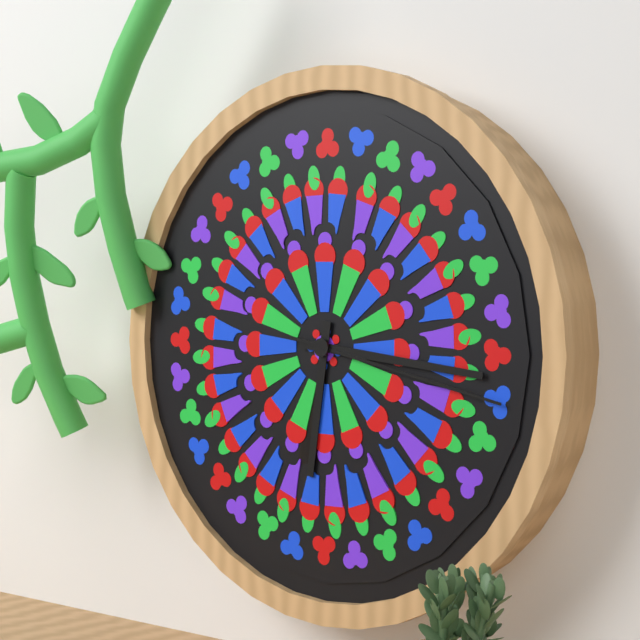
6.16.17
